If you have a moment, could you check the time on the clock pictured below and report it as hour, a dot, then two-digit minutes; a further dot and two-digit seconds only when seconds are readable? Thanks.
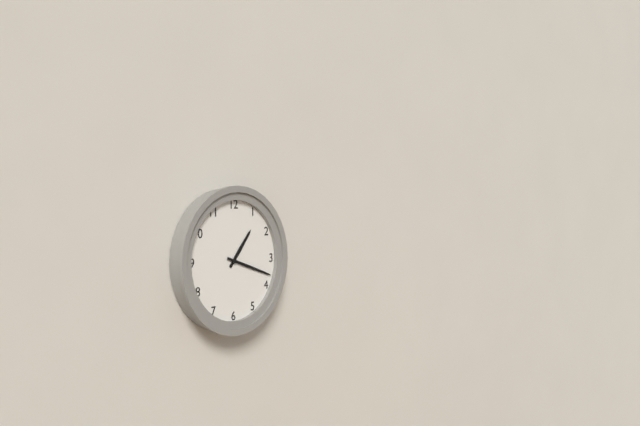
1.18
